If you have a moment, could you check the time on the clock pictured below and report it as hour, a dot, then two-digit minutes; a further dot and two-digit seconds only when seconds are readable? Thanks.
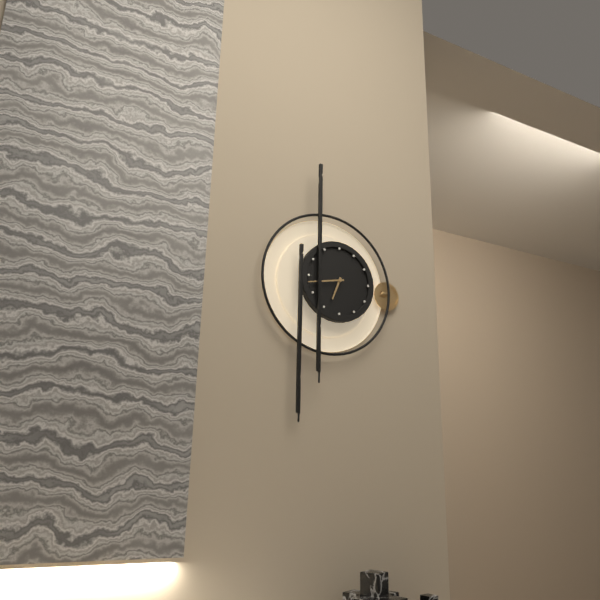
6.43
